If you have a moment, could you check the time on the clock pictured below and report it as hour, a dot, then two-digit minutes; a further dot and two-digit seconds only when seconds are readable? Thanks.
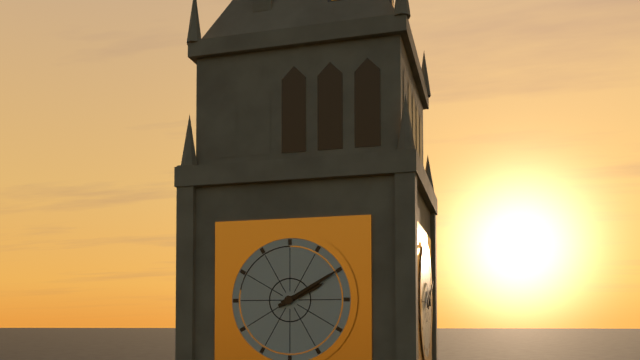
2.10
